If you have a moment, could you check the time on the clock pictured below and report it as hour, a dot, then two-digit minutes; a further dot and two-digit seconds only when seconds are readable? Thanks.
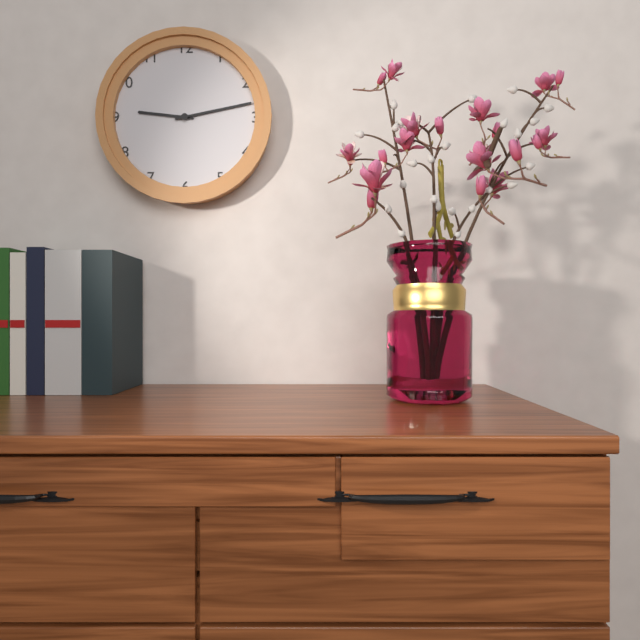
9.13
